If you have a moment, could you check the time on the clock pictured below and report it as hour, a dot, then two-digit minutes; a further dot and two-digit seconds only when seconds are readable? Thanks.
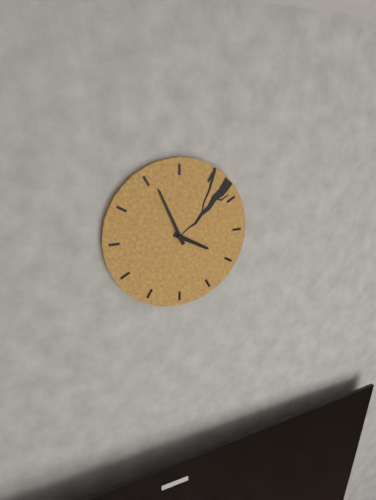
3.56
